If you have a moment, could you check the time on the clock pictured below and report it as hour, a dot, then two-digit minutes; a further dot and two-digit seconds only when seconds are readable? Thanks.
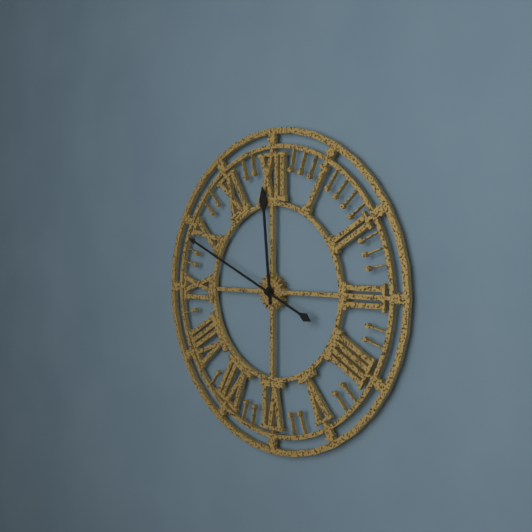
11.49
